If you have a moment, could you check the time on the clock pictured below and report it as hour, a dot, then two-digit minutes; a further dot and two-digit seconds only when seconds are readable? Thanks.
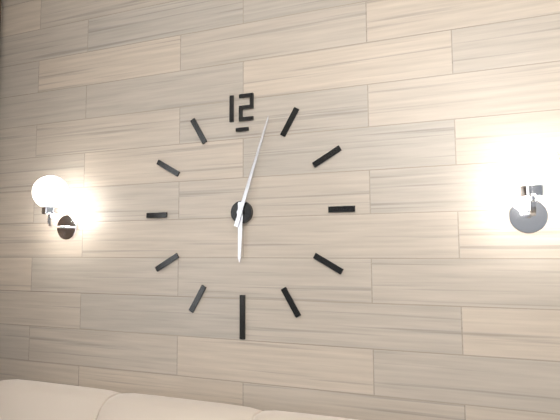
6.03
